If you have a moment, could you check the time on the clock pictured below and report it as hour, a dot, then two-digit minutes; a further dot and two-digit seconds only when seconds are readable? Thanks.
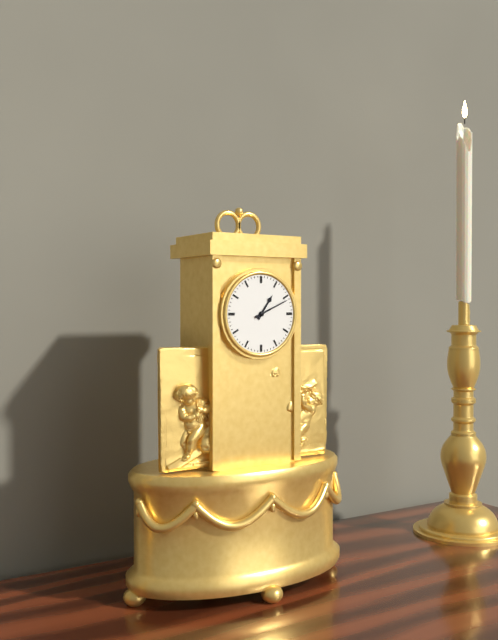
1.11
